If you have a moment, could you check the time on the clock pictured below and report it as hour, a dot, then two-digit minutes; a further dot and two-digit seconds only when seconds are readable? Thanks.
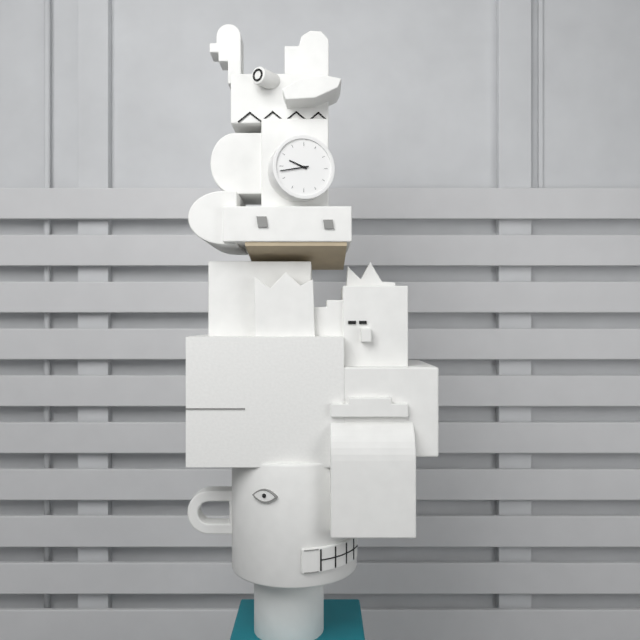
9.43
